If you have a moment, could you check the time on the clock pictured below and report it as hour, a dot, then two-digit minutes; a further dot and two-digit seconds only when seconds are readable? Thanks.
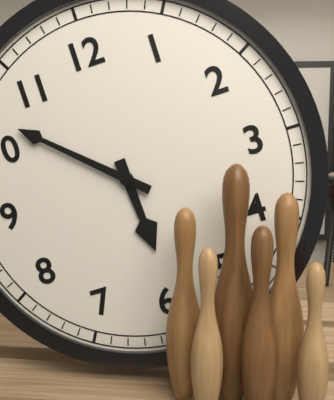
5.52
